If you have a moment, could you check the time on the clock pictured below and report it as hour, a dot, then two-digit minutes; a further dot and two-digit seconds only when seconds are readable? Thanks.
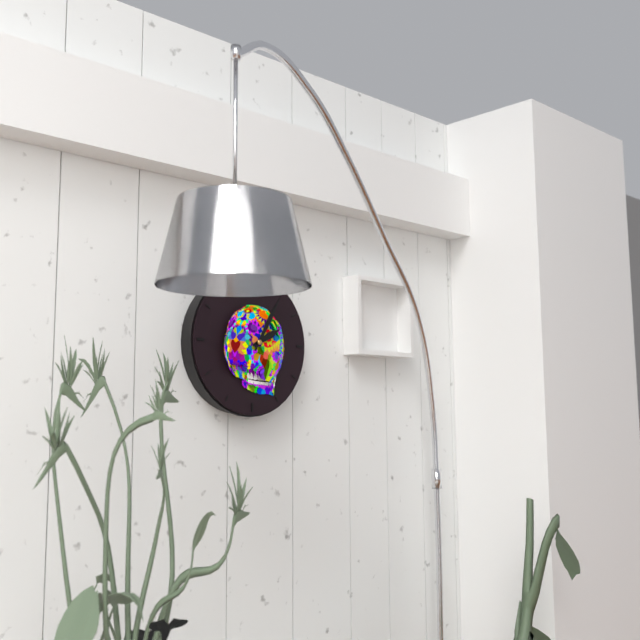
2.05
